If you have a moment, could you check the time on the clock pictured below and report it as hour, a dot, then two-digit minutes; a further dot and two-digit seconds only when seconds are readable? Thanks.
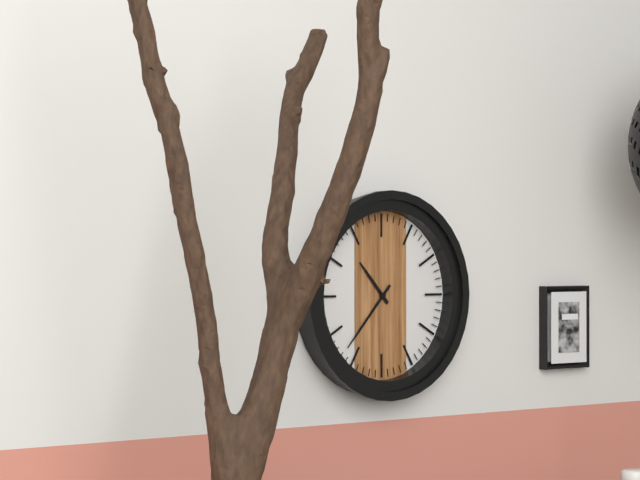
10.37
